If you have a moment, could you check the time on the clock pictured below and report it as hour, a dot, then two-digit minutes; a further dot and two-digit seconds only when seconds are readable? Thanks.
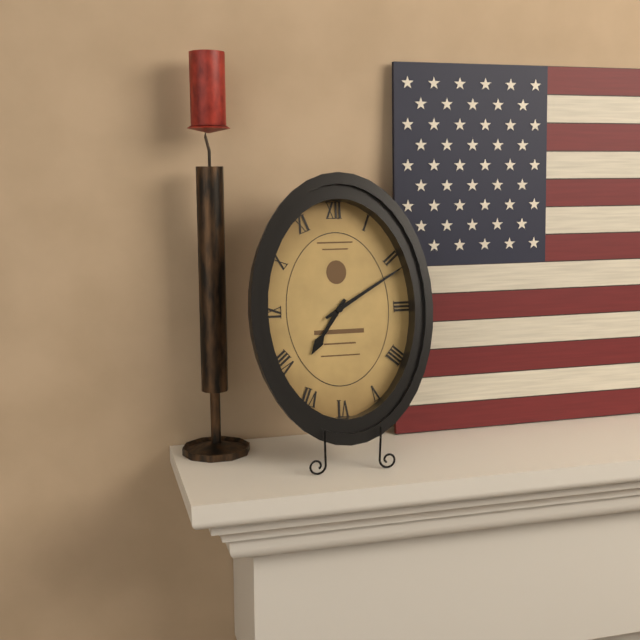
7.10
